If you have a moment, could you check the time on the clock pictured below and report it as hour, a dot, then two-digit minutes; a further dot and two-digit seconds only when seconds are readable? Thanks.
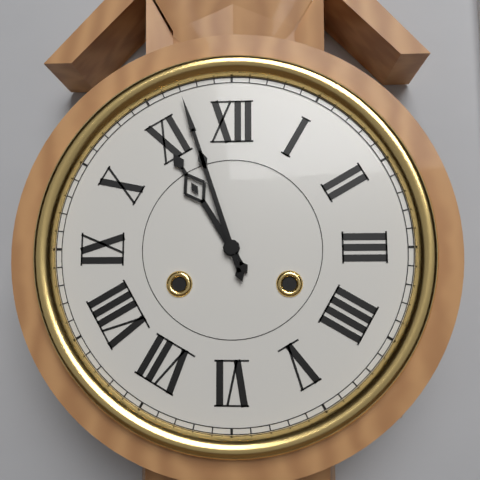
10.57
